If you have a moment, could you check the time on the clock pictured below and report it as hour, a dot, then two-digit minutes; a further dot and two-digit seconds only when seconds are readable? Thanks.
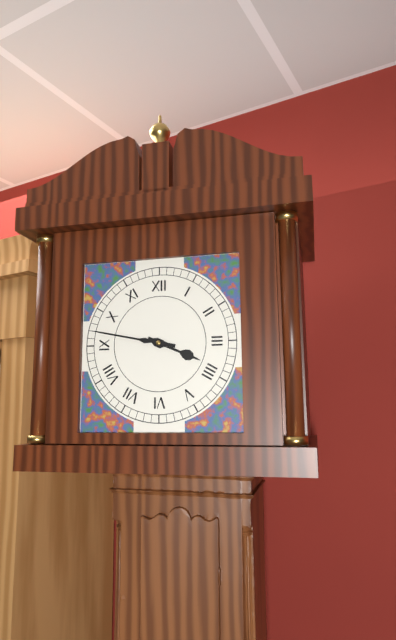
3.47
